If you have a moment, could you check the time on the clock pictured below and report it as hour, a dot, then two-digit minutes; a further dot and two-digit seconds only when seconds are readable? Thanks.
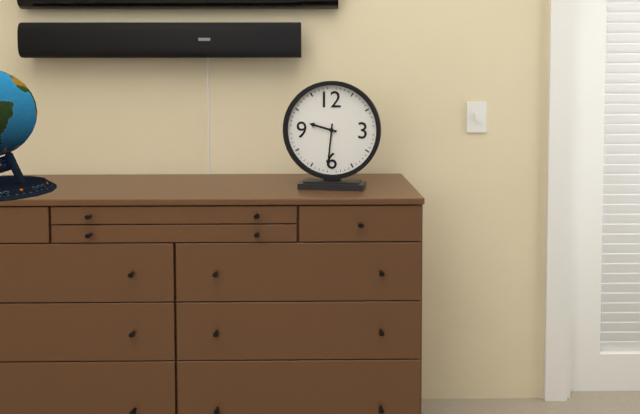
9.31
